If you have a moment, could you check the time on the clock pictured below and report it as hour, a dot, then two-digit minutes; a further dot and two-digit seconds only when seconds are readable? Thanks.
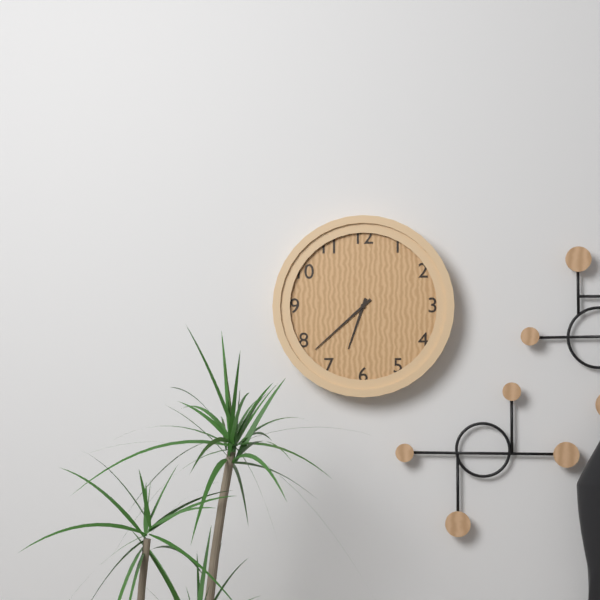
6.38
